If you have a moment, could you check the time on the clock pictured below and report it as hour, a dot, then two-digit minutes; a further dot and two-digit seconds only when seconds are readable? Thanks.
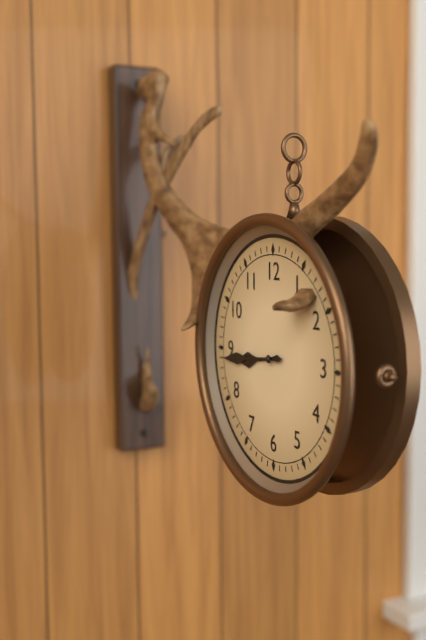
8.44
